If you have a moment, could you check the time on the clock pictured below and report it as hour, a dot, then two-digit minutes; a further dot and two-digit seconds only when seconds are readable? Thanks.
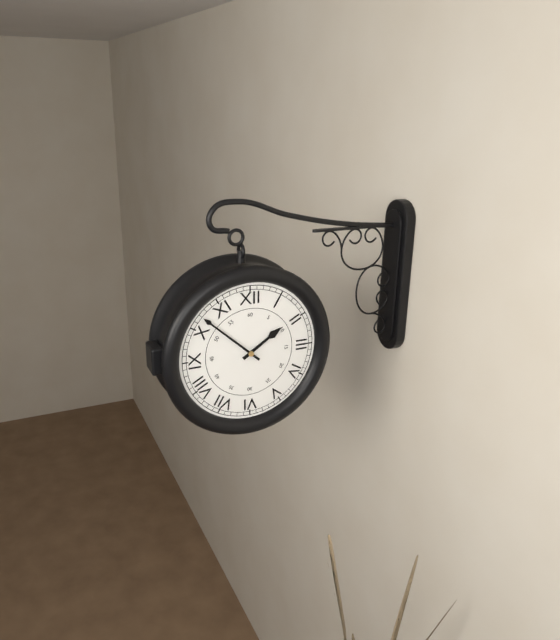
1.52
